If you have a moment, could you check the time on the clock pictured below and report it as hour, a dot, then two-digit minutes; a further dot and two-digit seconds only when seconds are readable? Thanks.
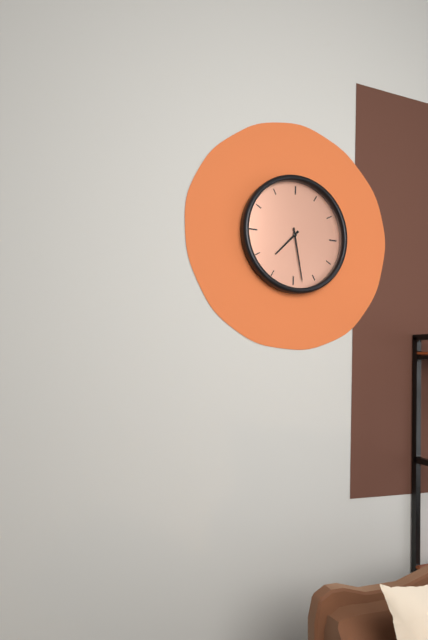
7.28
